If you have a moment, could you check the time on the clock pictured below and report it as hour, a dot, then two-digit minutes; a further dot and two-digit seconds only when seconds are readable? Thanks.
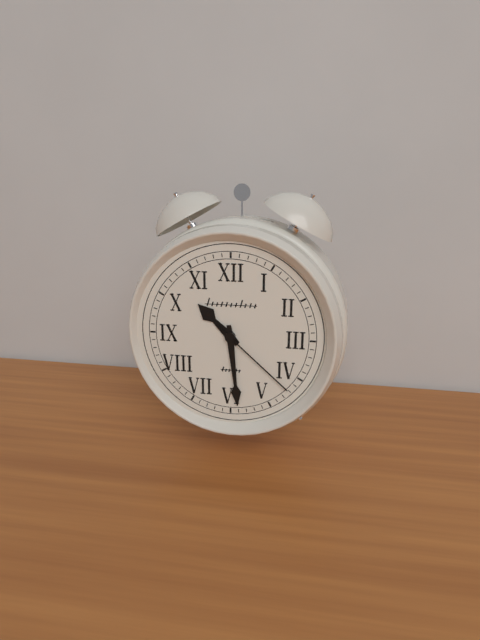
10.29.22
